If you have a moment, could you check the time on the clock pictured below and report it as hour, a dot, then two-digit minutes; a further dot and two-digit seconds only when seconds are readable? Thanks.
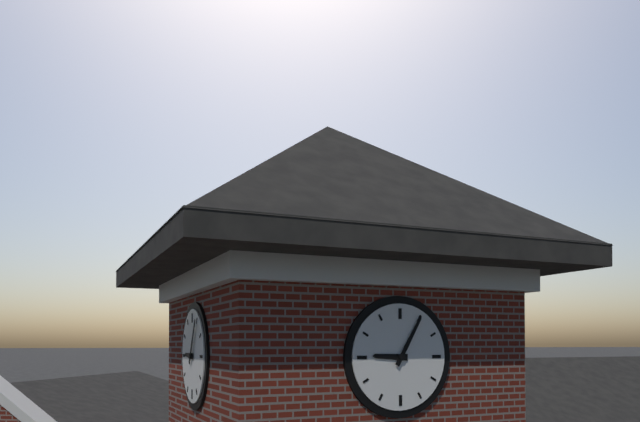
9.05
